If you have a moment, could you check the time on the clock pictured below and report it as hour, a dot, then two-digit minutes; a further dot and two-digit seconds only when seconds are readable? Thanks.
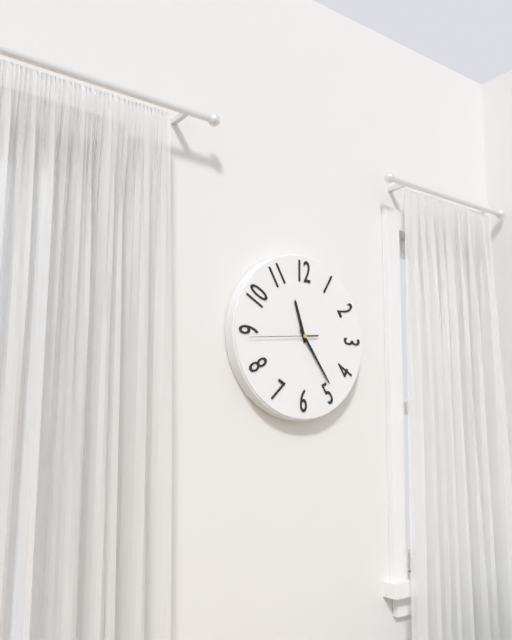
11.24.44
